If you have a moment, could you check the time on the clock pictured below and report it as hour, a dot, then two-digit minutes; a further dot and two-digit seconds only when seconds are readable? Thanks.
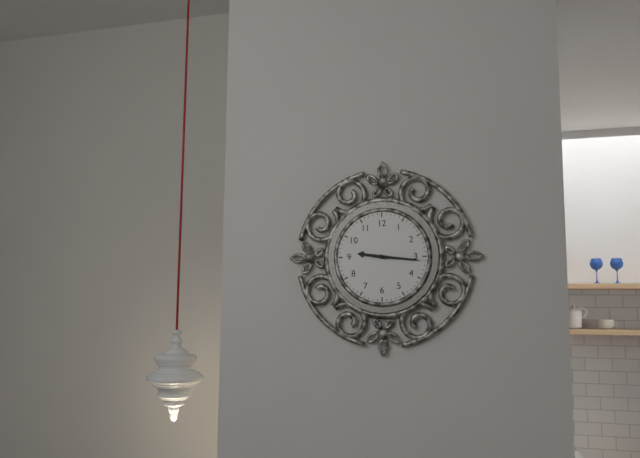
9.16
